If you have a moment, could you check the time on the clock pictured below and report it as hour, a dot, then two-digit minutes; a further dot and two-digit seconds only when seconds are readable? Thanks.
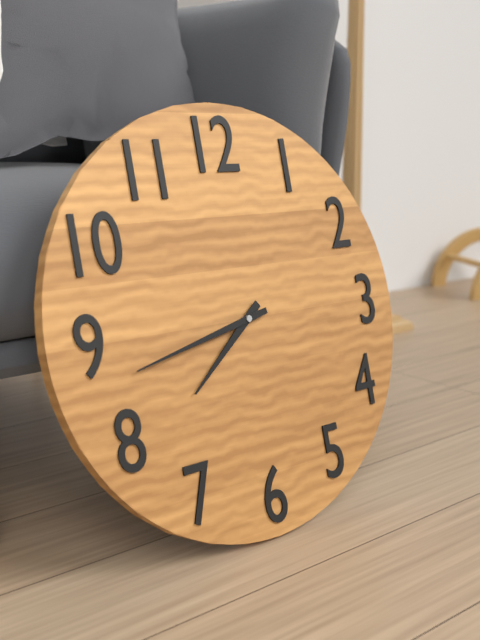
7.43
